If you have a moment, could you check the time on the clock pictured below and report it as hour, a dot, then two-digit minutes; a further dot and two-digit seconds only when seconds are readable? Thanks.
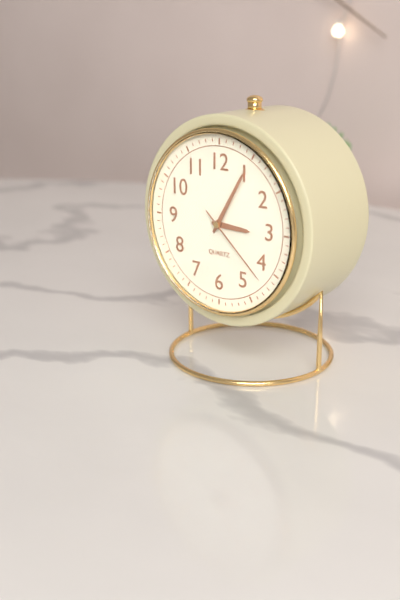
3.05.22
